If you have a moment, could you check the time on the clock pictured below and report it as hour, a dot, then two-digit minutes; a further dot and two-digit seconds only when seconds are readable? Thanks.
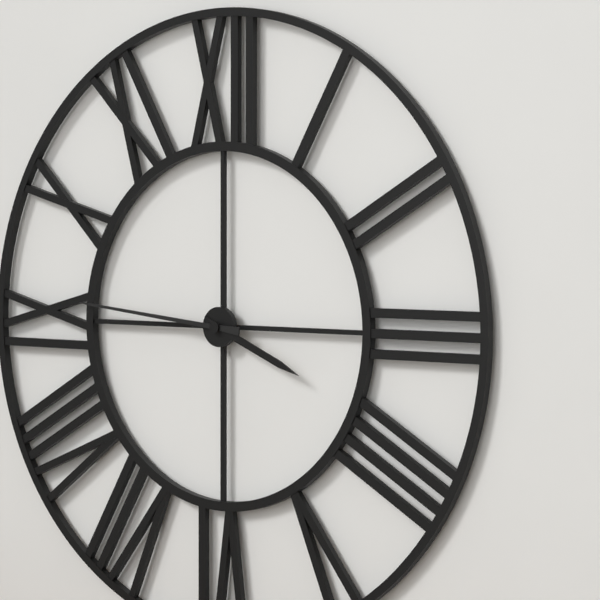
3.46
